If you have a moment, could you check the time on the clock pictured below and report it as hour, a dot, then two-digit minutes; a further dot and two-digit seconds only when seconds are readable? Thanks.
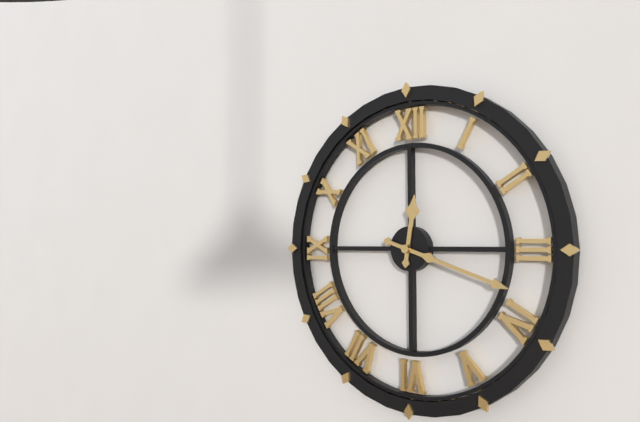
12.18
